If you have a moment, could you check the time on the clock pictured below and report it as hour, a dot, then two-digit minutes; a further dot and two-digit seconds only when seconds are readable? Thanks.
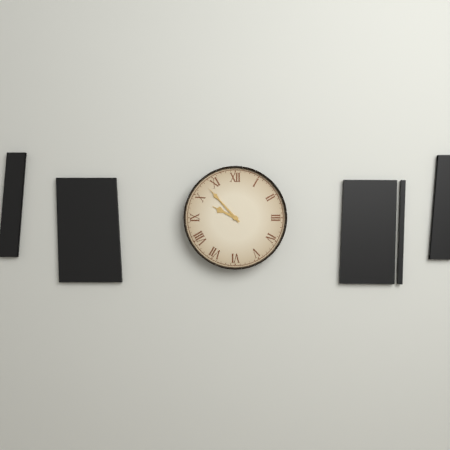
9.53
